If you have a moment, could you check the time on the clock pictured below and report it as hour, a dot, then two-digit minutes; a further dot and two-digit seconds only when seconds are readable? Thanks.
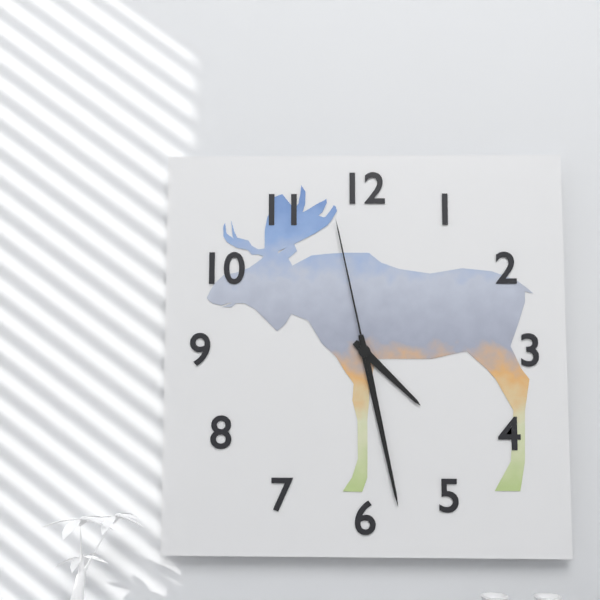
4.28.58
